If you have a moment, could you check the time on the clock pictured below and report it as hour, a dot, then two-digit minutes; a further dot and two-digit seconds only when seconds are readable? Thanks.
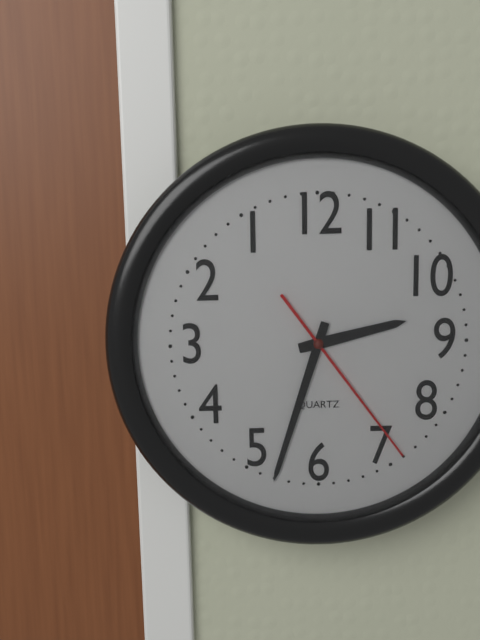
2.33.24
